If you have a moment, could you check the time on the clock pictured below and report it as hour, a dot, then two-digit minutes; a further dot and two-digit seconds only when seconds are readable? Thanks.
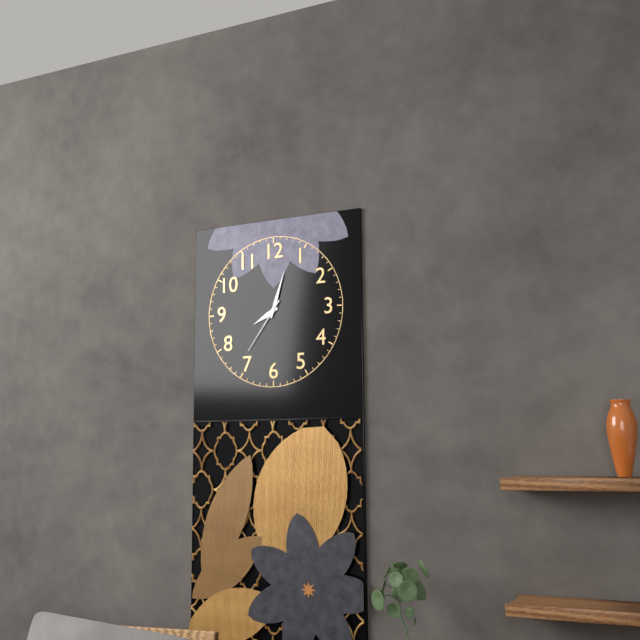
8.03.36
